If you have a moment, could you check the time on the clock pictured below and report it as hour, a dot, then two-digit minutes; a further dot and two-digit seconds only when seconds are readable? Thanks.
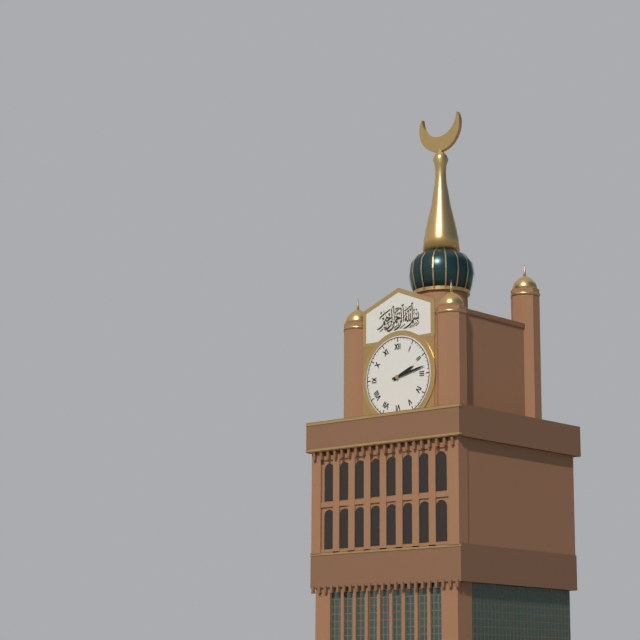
2.13
